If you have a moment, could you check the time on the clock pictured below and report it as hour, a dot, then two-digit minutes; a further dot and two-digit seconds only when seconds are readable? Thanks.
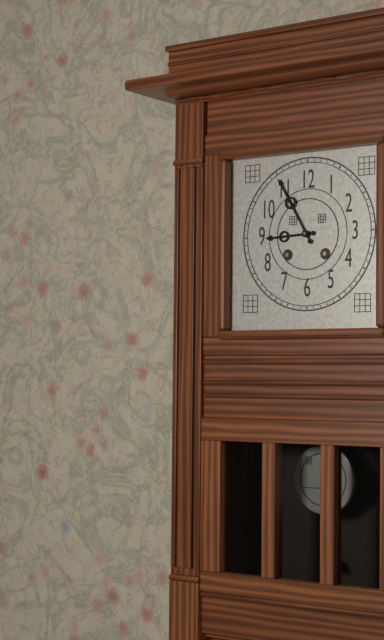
8.55
